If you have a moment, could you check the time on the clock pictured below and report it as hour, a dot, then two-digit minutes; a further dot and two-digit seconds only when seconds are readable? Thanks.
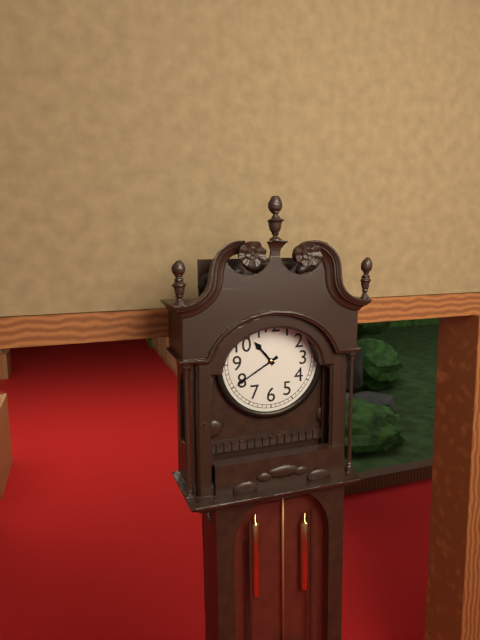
10.40
